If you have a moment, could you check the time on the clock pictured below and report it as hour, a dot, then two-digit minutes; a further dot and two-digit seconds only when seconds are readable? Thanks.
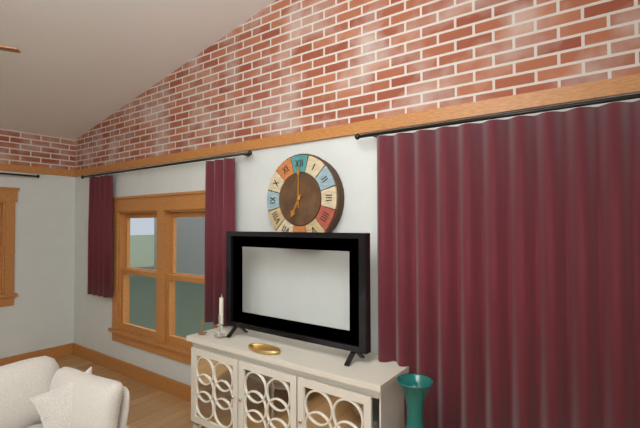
7.00
